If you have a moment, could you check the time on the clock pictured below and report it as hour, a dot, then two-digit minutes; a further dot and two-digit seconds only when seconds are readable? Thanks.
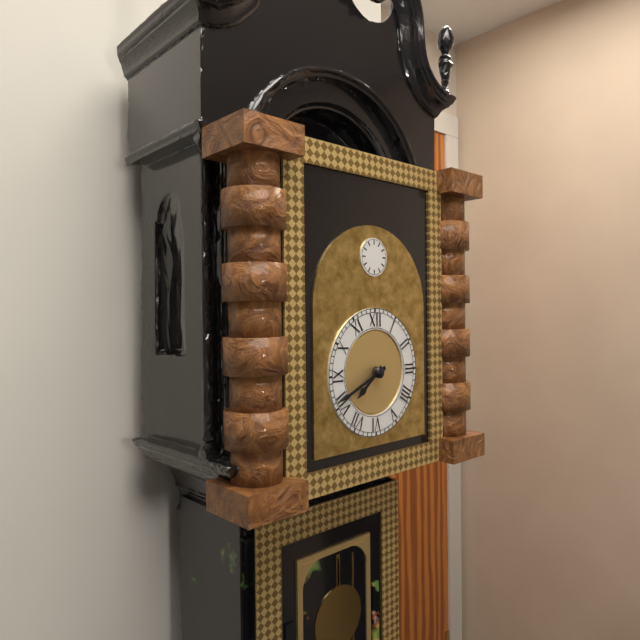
7.41
